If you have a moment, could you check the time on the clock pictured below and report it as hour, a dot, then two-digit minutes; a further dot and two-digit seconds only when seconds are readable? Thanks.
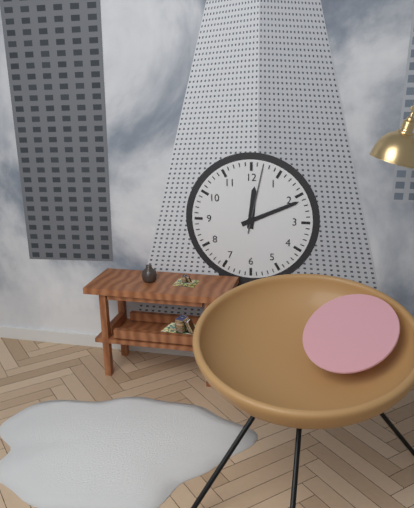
12.11.02
